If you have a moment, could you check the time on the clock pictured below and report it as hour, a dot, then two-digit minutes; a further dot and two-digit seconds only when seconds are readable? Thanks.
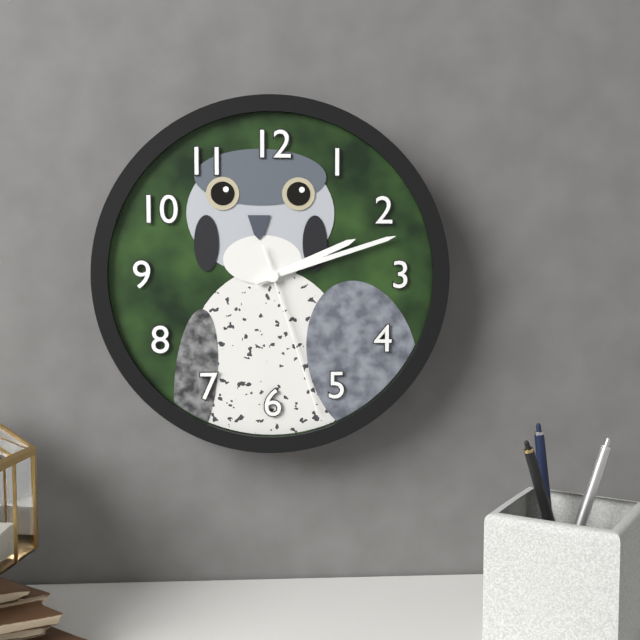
2.12.27
